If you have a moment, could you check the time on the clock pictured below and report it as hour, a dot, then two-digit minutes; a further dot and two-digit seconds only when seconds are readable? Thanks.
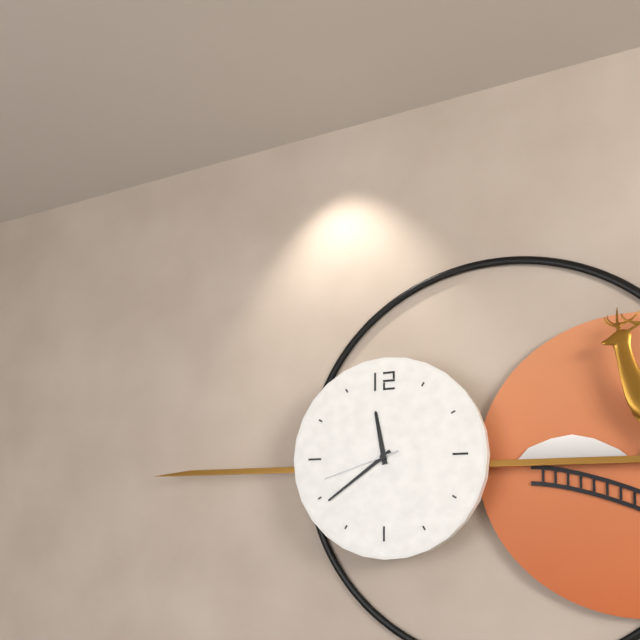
11.39.42
